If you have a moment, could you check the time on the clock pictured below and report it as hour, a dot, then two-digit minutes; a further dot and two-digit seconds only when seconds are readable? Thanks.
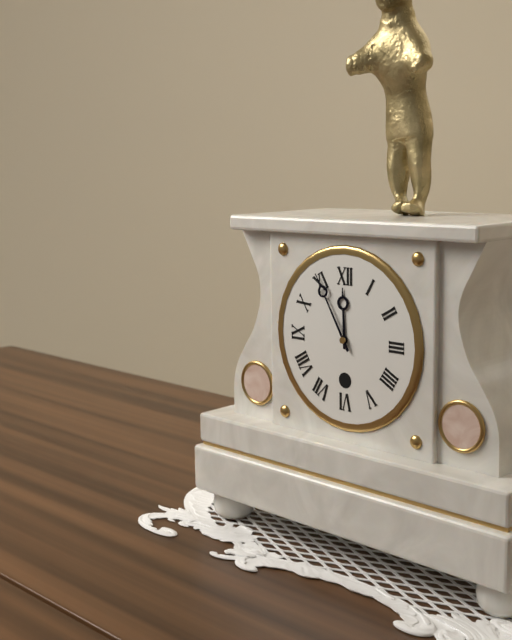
11.55
